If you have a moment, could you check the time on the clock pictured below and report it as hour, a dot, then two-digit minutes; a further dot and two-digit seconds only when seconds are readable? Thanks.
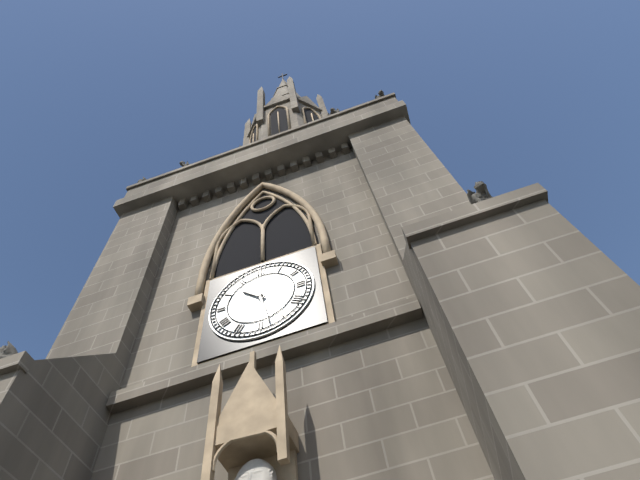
10.28
